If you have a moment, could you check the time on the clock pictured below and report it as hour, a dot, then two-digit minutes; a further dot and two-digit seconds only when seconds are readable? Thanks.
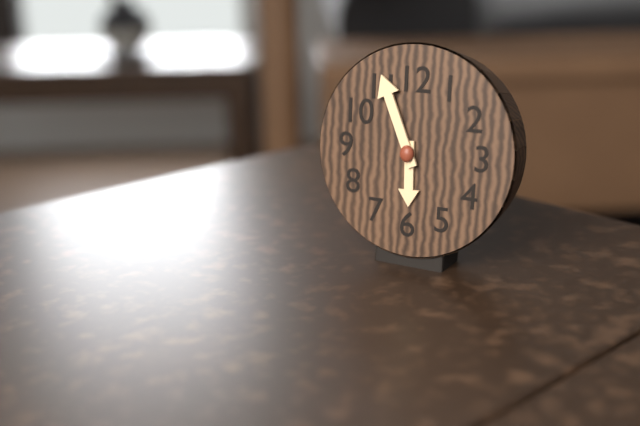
5.56
